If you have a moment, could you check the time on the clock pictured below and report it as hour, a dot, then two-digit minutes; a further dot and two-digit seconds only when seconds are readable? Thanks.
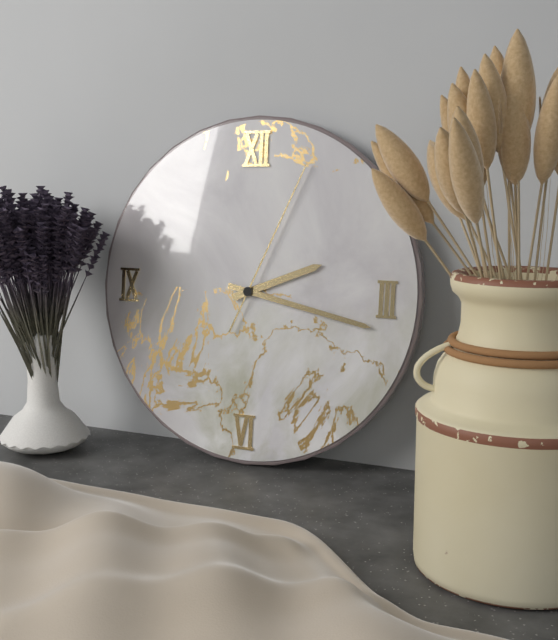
2.17.04
